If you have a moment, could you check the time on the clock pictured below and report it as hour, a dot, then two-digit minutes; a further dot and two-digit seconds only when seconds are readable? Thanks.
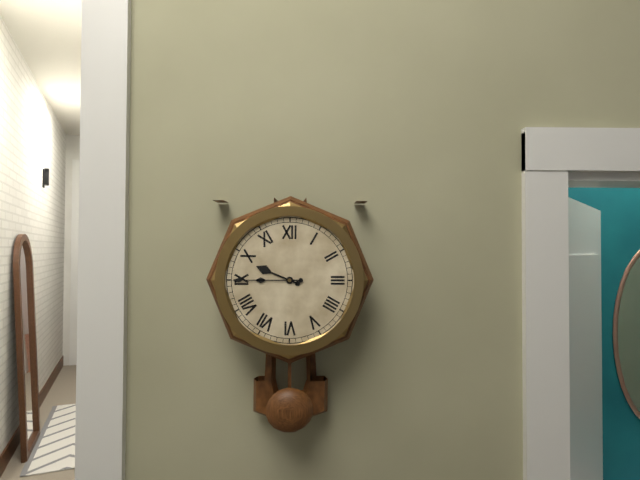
9.45
